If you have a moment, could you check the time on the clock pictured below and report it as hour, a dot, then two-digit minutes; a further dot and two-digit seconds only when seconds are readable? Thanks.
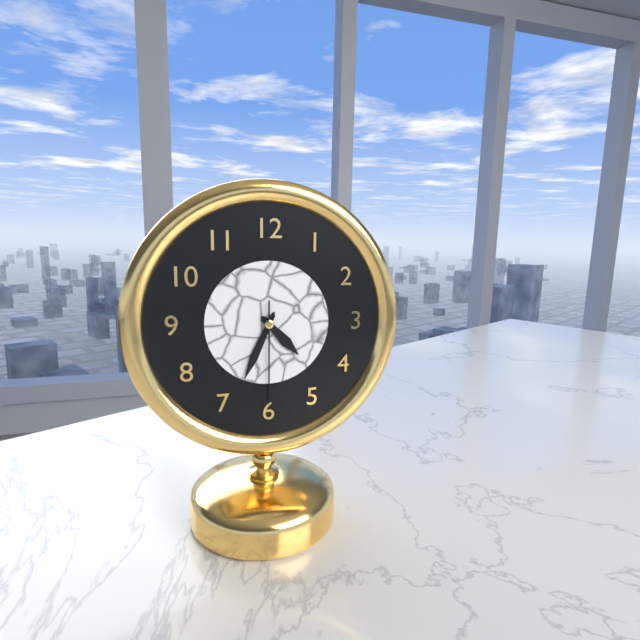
4.34.30
